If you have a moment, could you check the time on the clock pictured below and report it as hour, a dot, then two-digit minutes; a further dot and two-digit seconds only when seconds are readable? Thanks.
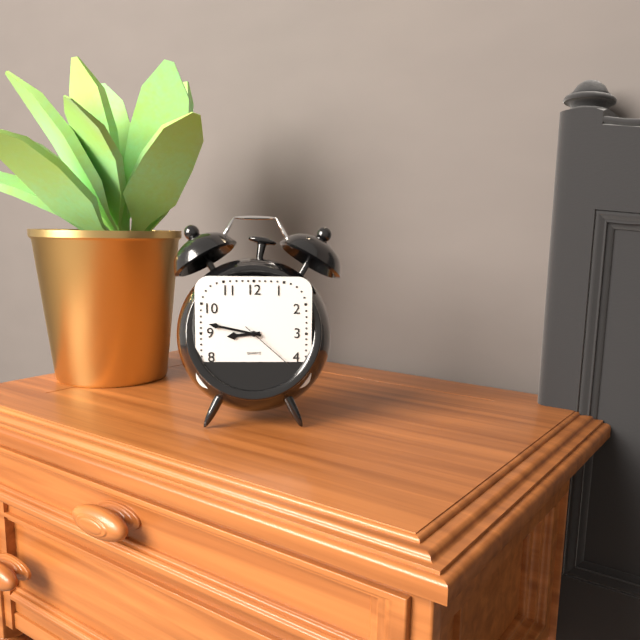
8.47.22
